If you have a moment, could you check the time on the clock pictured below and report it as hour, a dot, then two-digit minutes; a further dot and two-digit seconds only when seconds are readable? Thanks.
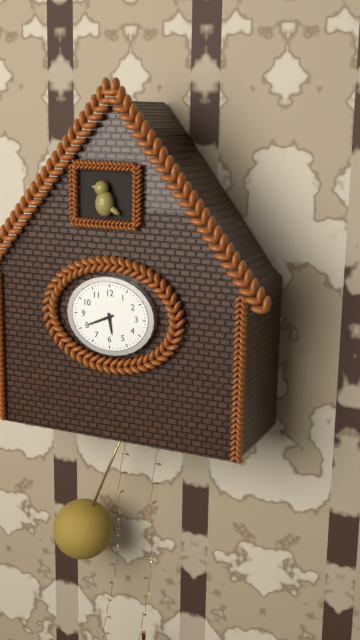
5.41
